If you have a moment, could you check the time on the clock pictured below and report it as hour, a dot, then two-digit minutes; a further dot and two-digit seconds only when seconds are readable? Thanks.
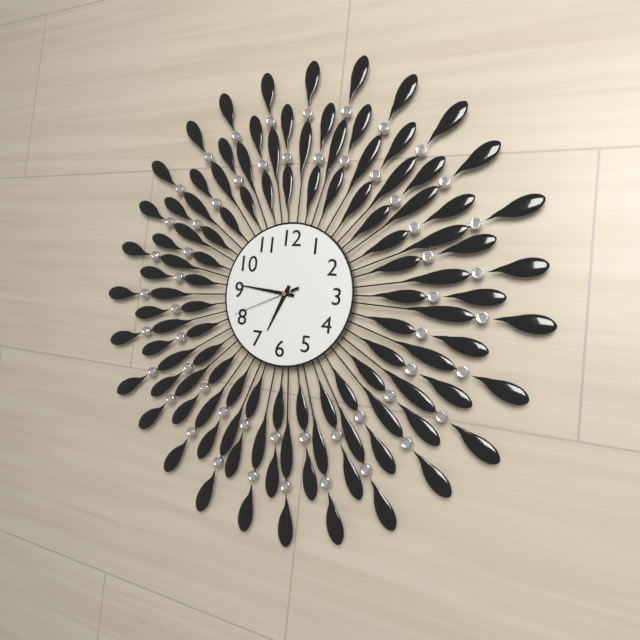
6.46.41
